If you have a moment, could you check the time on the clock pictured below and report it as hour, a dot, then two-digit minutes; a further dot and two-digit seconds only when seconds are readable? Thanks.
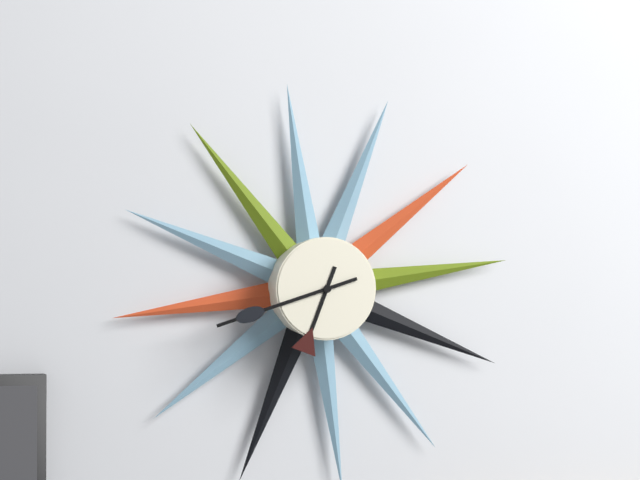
6.42
